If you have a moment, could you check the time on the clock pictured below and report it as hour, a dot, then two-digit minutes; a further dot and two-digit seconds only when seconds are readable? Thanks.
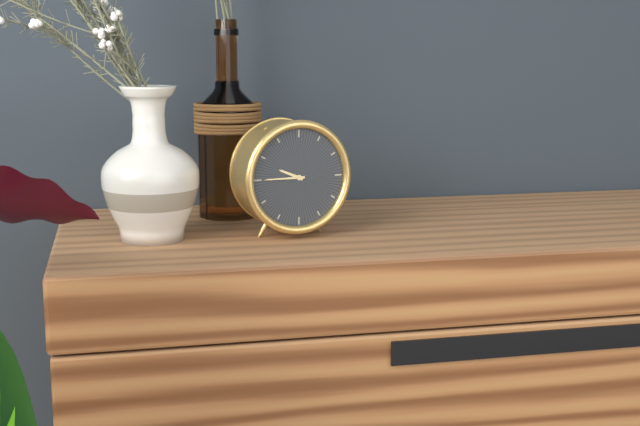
9.45
